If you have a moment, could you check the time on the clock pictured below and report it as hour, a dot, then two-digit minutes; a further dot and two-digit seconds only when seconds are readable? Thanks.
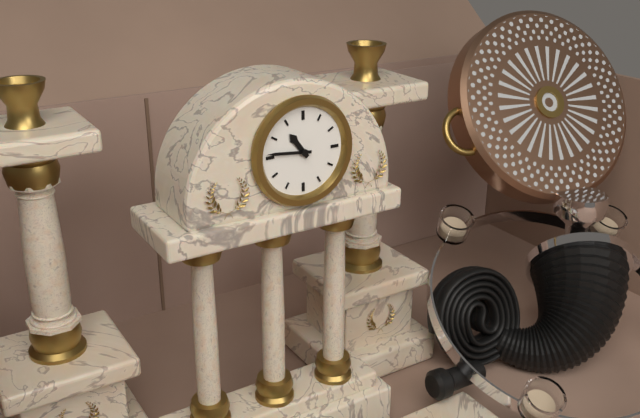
10.46
